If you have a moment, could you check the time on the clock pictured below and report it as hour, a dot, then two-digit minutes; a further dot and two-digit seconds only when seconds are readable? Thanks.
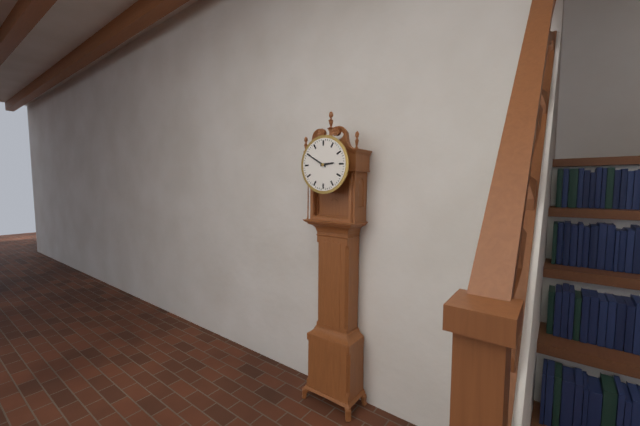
2.50
